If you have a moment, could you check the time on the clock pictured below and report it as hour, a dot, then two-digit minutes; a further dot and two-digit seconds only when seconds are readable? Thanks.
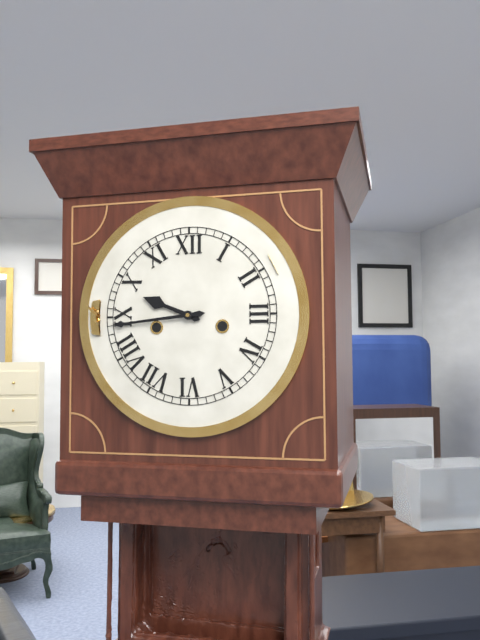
9.44
